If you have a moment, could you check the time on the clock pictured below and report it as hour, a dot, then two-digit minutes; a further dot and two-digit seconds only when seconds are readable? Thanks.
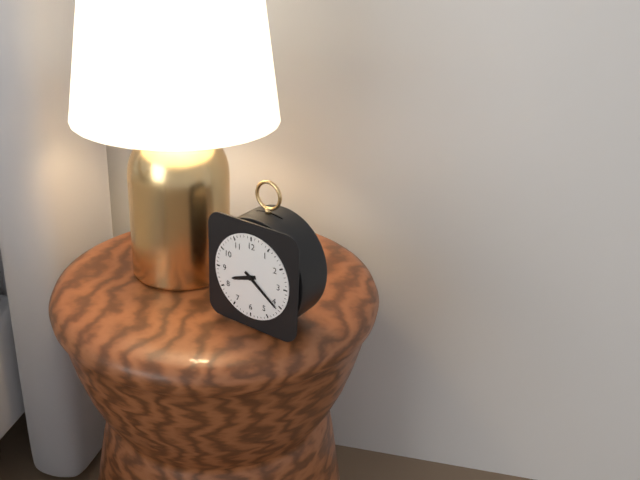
8.21
